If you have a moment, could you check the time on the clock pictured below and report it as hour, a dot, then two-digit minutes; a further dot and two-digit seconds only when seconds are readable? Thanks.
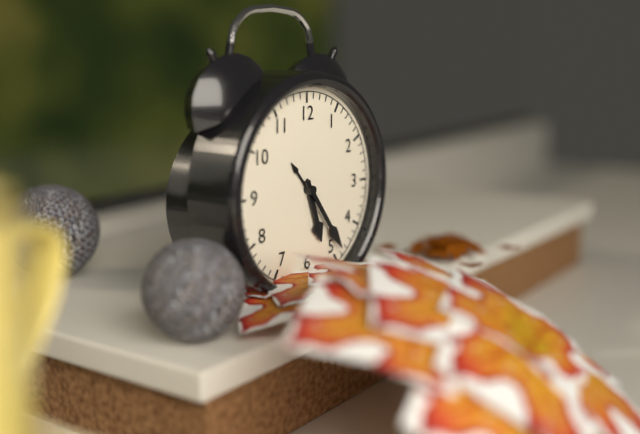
5.24
